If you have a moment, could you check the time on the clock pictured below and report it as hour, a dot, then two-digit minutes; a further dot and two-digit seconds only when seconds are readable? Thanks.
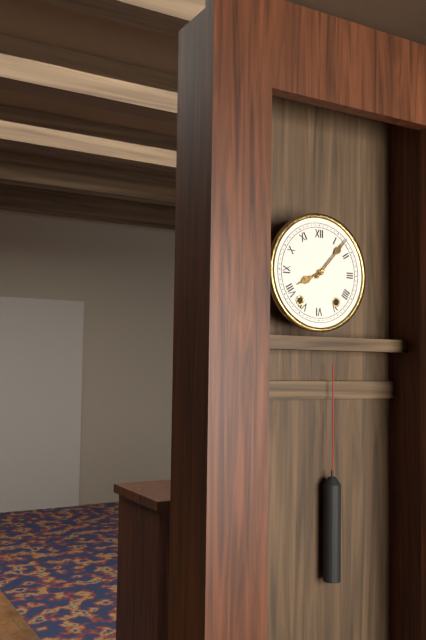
8.07
